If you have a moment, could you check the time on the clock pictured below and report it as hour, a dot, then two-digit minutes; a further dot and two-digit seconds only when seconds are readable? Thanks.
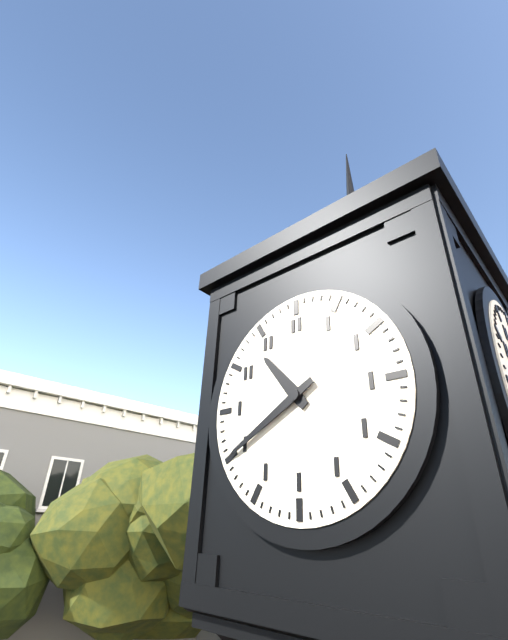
10.40
